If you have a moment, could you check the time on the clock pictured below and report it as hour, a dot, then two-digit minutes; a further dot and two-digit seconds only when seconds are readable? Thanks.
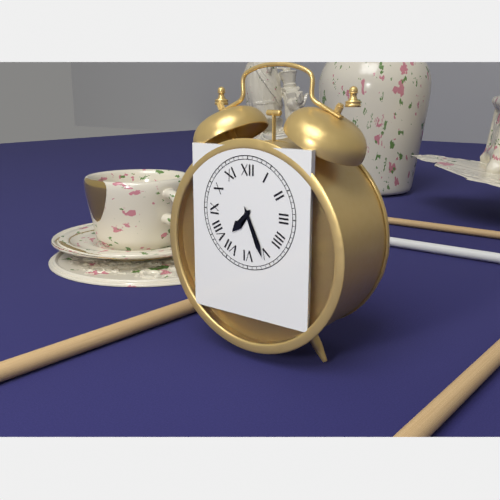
7.26
